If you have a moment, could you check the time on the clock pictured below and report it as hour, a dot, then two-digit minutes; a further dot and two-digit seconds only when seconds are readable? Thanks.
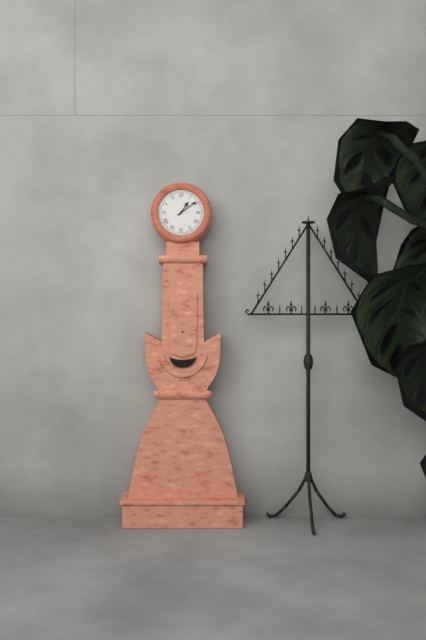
1.09
